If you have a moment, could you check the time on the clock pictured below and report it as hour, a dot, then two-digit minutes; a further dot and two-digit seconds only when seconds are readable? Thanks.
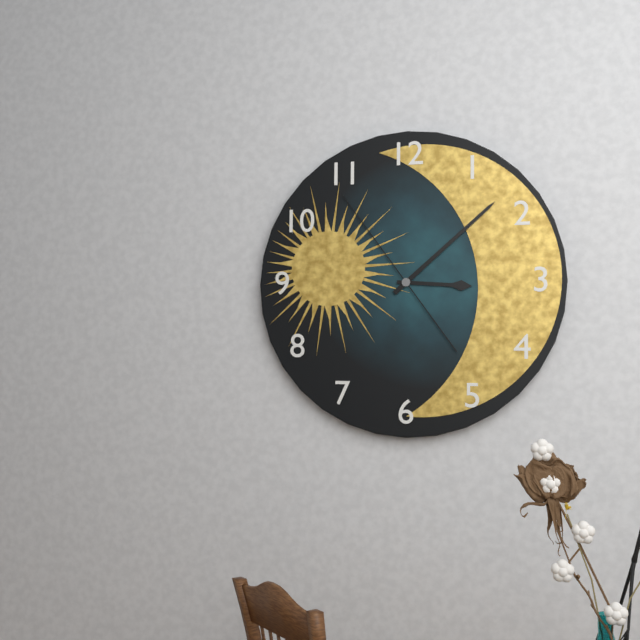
3.08.54
